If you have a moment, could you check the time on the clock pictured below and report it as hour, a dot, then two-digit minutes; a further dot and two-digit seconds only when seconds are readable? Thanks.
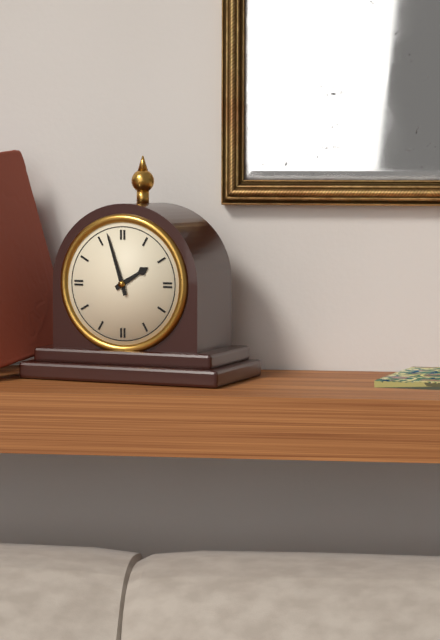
1.57
